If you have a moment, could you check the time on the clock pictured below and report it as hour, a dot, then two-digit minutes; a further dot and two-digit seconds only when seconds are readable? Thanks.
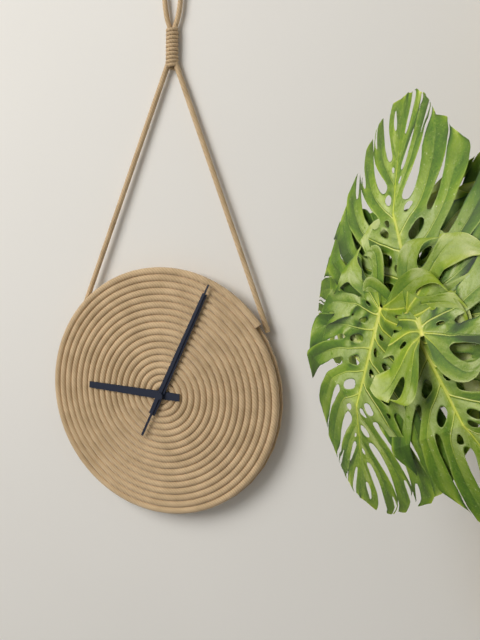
9.04.04
